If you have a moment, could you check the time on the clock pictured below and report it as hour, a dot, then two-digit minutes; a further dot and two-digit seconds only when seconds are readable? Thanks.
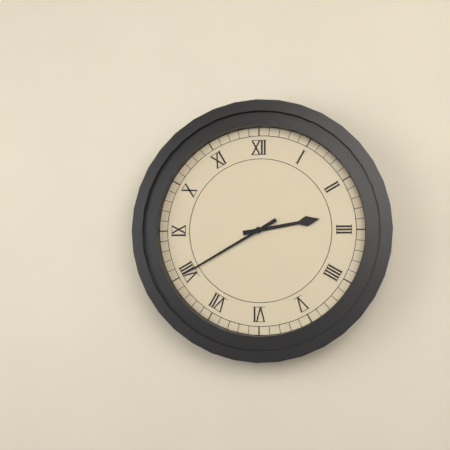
2.40
